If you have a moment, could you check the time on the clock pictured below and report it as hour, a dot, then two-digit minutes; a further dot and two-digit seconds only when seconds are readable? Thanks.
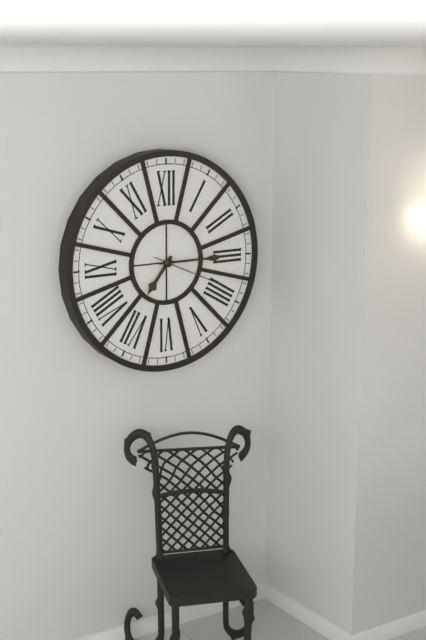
7.15.19
